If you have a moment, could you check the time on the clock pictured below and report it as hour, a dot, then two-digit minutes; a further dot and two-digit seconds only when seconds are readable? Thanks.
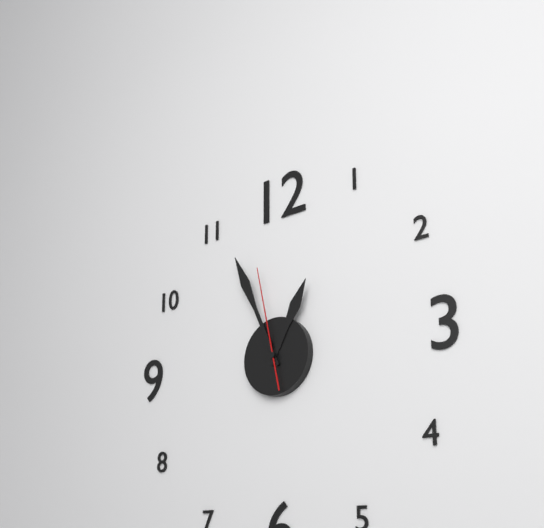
12.56.58
